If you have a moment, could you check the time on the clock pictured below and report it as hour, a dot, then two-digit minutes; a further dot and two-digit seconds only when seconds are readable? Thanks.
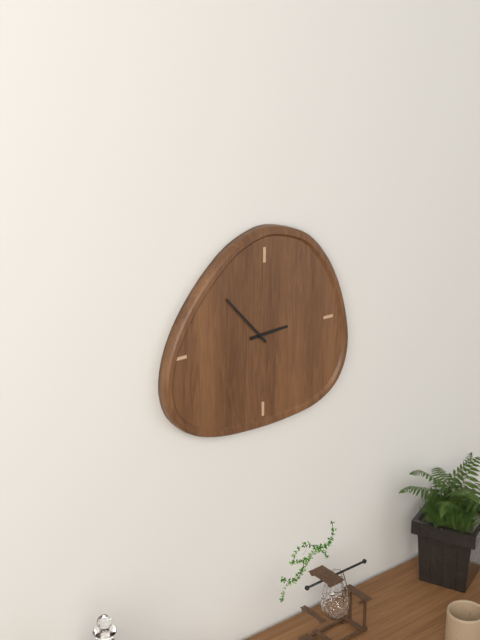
2.53
